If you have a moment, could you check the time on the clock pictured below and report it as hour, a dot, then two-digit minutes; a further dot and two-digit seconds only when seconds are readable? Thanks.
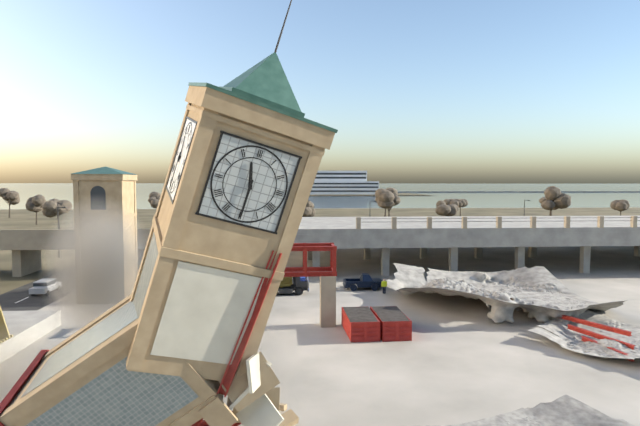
11.30
